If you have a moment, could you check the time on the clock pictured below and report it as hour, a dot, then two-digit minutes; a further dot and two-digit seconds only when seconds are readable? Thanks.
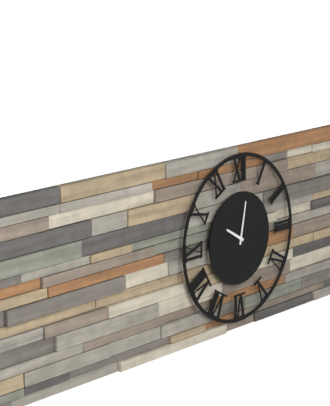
10.02
